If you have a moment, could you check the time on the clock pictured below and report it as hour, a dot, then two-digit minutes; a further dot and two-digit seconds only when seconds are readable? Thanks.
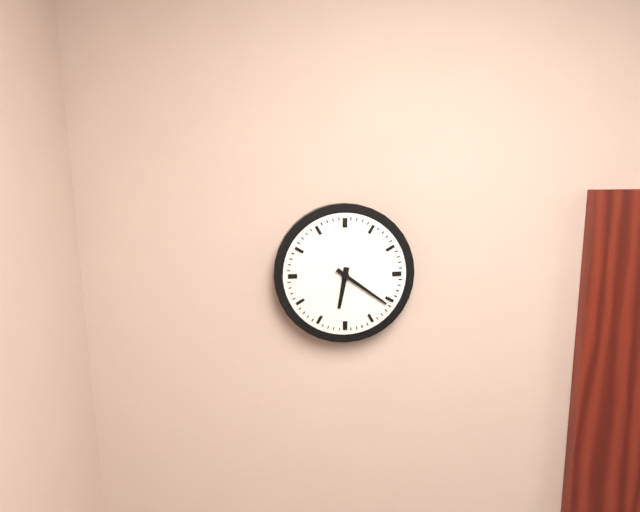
6.21
